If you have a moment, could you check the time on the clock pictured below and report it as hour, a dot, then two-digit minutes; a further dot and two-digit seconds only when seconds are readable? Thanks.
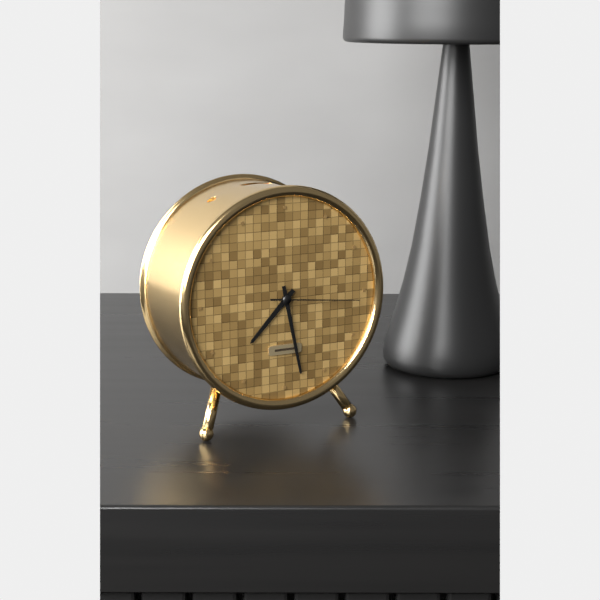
7.28.16
